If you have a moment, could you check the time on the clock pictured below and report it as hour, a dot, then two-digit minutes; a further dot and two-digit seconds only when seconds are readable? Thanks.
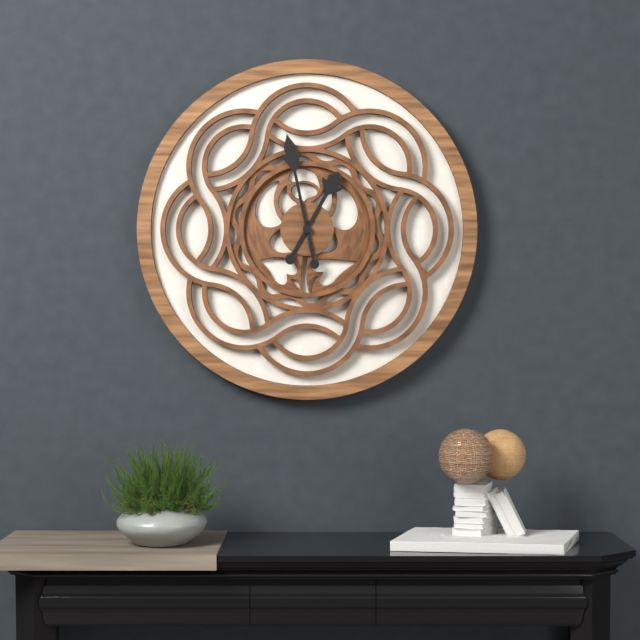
12.58
